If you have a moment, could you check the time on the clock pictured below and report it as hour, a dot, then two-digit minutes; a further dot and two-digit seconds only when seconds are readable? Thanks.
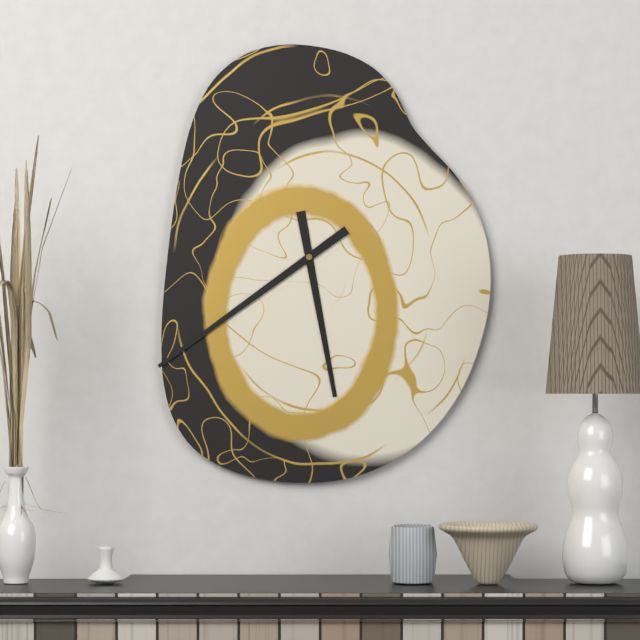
5.39
